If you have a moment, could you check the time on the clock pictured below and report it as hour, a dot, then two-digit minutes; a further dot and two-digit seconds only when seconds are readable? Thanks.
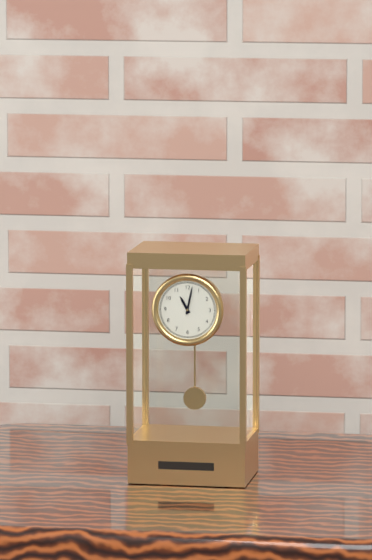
11.02
